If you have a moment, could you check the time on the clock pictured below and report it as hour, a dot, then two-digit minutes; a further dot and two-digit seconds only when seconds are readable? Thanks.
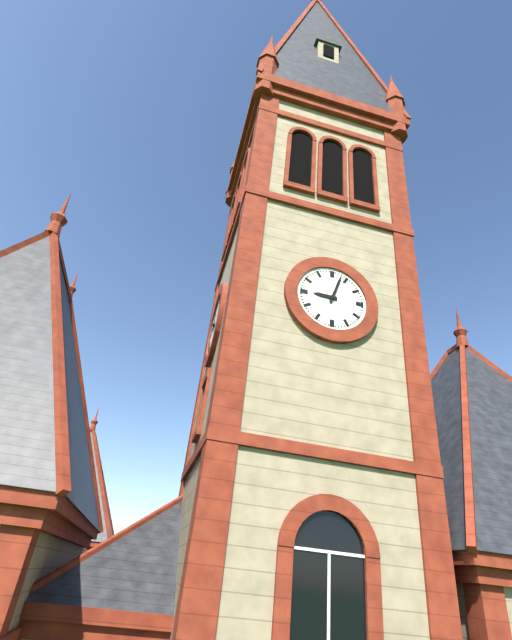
9.03
